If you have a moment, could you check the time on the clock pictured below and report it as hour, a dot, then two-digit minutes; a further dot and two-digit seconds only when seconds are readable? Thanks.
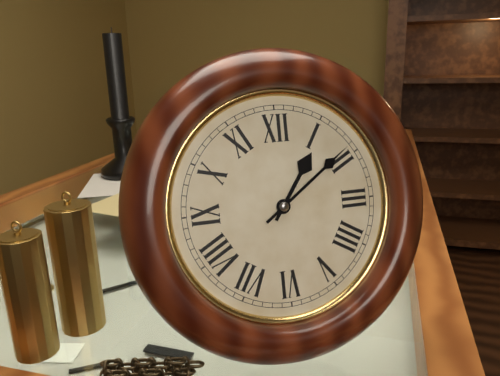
1.09
